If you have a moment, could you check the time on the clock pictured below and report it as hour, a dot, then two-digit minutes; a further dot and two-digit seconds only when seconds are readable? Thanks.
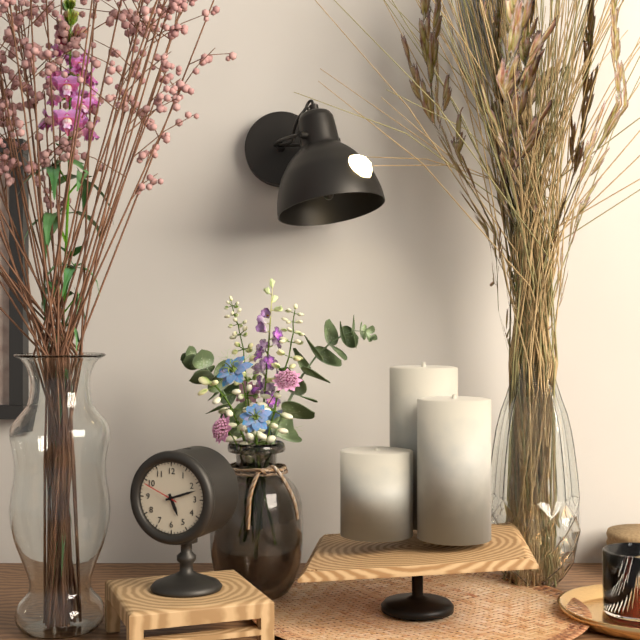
5.12
